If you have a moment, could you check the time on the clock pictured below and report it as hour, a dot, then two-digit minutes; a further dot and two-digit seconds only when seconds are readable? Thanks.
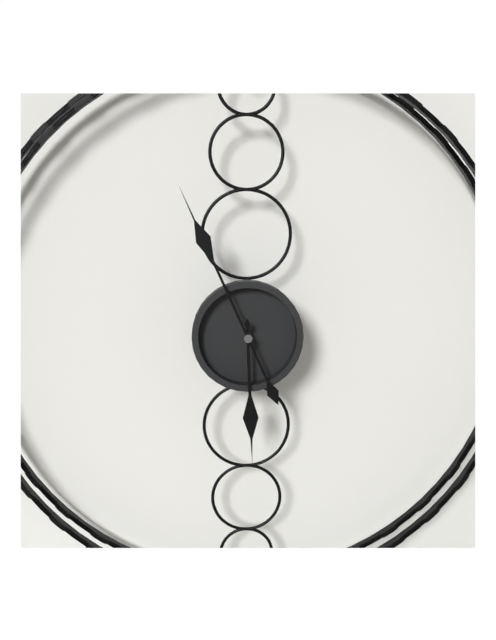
5.56
